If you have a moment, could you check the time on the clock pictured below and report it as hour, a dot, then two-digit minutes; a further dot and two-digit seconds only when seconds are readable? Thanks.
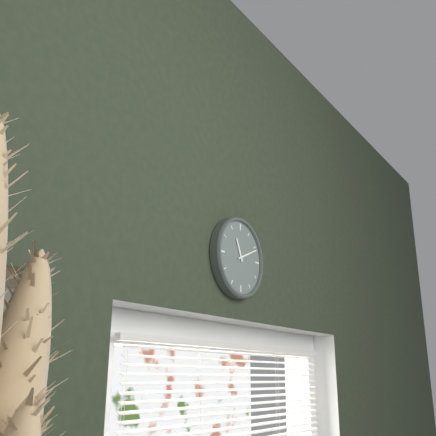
11.11
